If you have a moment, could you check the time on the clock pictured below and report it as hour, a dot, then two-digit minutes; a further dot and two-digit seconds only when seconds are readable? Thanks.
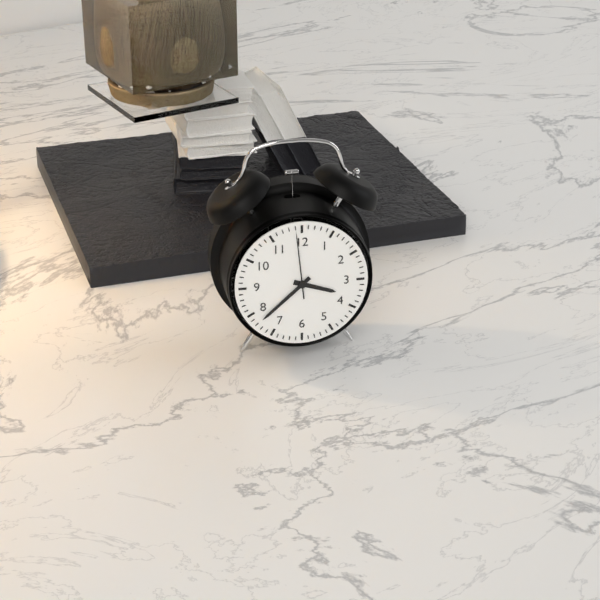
3.38.59
